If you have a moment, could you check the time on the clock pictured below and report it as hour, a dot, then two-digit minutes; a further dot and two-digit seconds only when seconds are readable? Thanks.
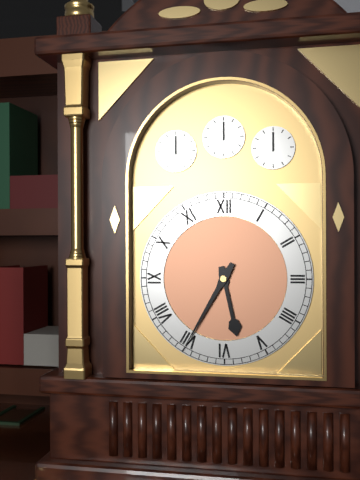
5.35
